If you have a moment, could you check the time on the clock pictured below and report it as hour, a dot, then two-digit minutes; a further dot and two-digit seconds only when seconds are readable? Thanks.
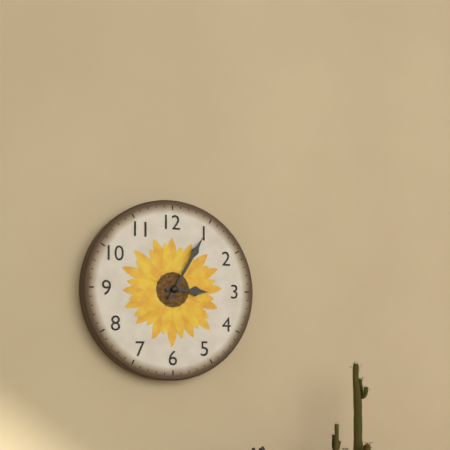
3.05
